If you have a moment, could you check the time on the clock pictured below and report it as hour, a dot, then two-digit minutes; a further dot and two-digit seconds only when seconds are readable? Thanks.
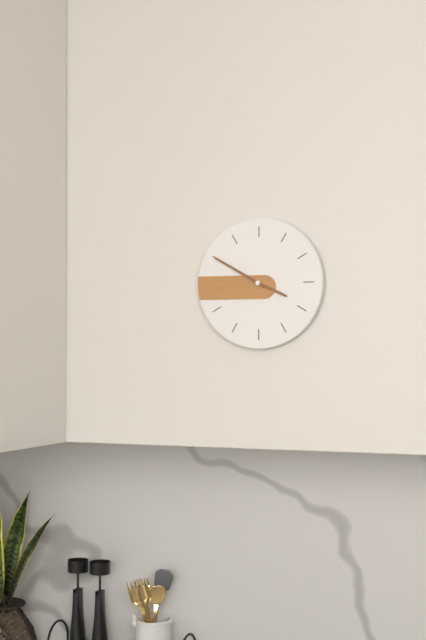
3.50
